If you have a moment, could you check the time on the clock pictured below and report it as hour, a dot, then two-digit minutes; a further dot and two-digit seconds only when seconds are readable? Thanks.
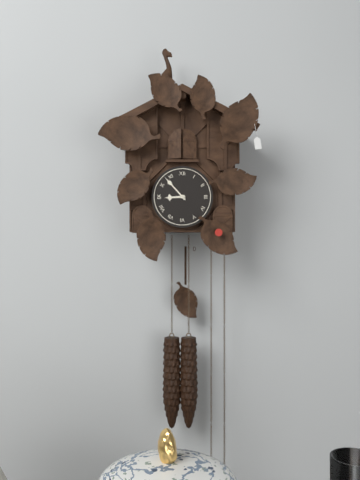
8.53
